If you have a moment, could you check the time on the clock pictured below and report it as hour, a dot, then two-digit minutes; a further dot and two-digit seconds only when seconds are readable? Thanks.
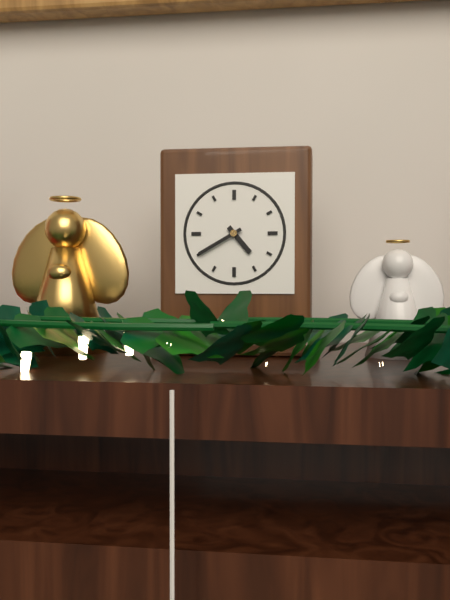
4.40
